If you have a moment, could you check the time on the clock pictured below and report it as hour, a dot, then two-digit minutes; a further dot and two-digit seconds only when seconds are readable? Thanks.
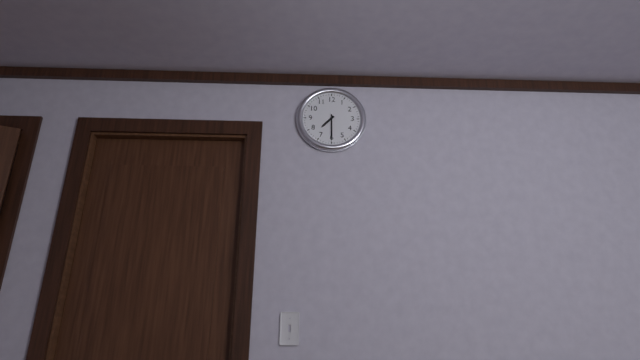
7.30
